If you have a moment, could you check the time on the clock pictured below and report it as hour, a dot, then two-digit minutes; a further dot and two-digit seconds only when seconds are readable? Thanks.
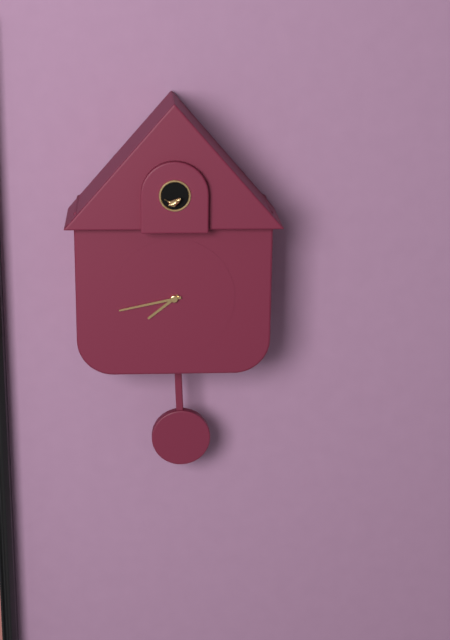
7.43
